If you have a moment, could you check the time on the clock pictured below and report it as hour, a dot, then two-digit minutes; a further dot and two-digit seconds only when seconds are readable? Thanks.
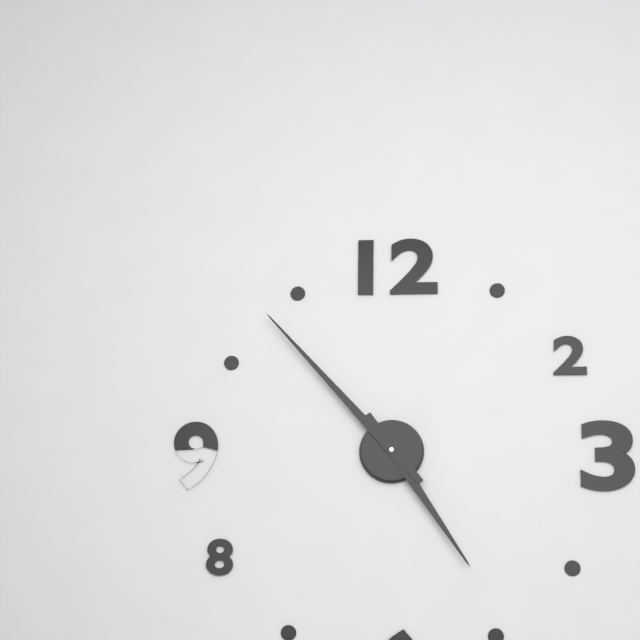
4.53
